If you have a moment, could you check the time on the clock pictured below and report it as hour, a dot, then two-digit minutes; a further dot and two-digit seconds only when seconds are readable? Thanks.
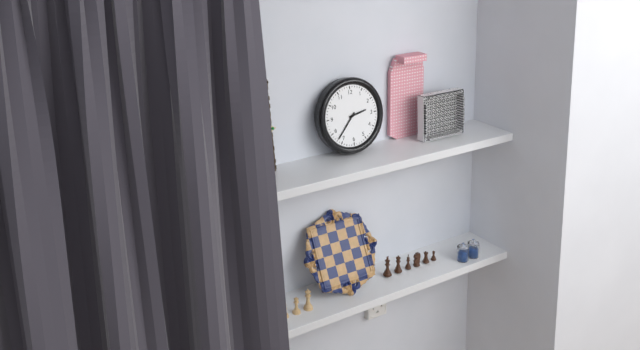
2.37
